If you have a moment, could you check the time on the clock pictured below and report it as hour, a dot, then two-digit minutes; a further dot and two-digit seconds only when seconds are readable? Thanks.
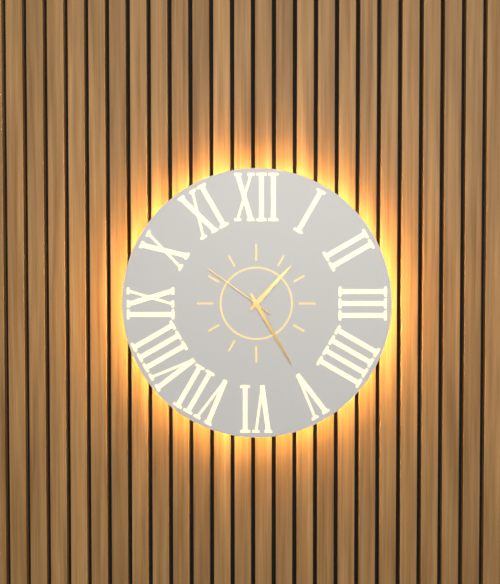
1.25.51
